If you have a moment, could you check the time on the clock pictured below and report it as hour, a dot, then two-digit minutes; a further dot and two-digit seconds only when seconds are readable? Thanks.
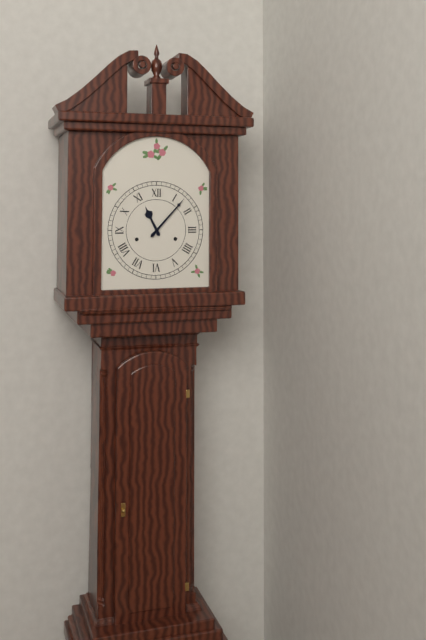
11.07
